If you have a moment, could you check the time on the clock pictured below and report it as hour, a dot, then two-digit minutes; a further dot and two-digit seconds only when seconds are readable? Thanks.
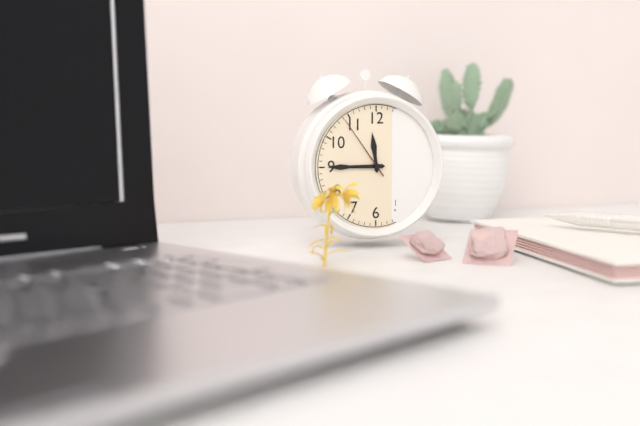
11.45.54
